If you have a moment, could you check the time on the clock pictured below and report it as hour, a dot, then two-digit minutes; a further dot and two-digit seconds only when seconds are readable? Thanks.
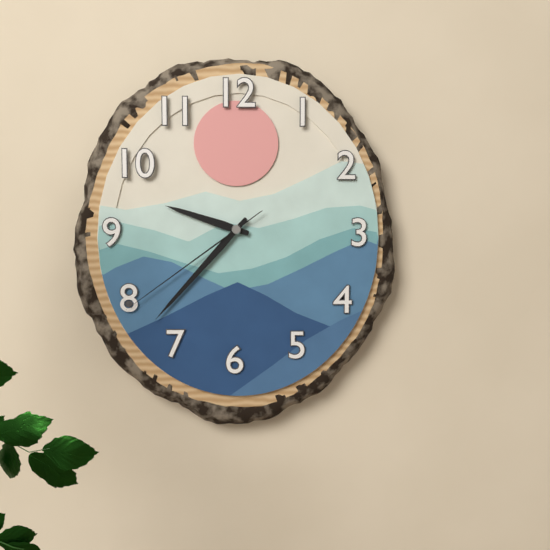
9.37.39
